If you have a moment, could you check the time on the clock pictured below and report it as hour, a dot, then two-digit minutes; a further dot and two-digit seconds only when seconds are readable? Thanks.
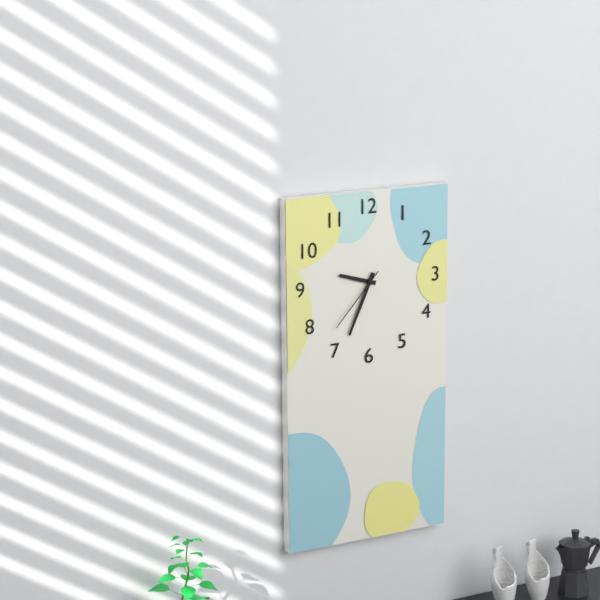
9.34.37
